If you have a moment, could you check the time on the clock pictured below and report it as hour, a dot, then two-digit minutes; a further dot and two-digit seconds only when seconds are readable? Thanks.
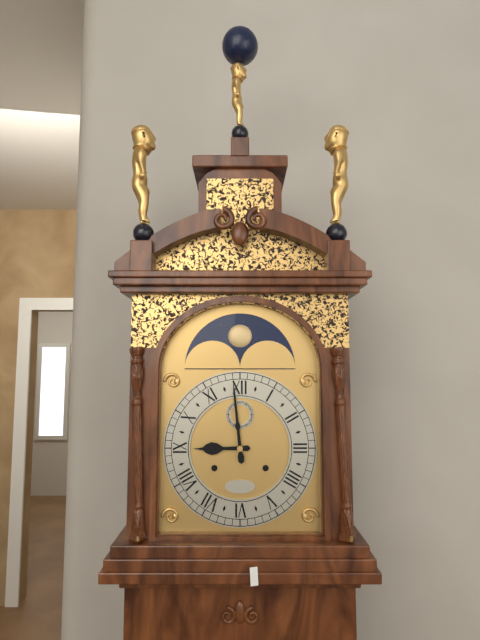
8.59
